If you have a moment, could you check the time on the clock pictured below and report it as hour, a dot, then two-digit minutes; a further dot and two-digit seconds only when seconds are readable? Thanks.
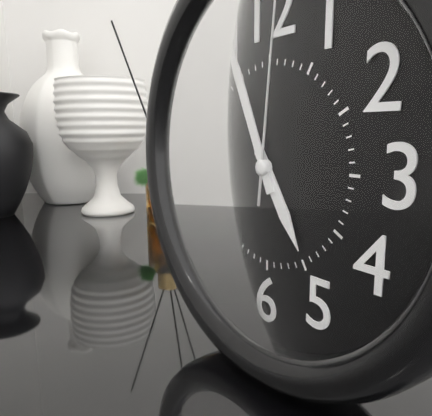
4.56
